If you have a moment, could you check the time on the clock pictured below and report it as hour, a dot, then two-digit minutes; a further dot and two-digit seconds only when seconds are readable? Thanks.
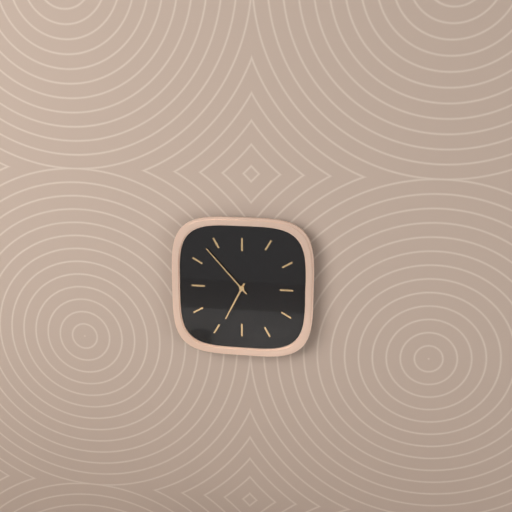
6.53
